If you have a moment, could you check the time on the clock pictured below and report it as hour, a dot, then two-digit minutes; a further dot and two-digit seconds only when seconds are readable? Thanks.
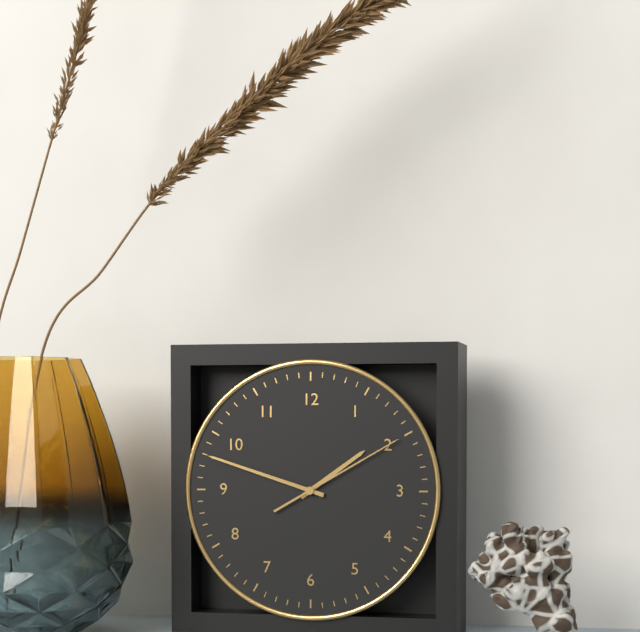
1.48.10
